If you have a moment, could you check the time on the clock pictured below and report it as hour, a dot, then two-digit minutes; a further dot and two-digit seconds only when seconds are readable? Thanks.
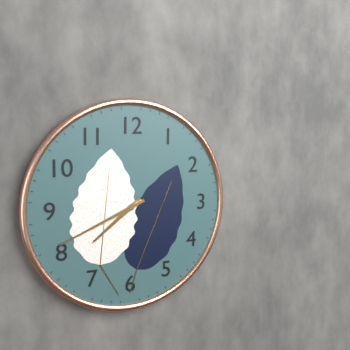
7.41
